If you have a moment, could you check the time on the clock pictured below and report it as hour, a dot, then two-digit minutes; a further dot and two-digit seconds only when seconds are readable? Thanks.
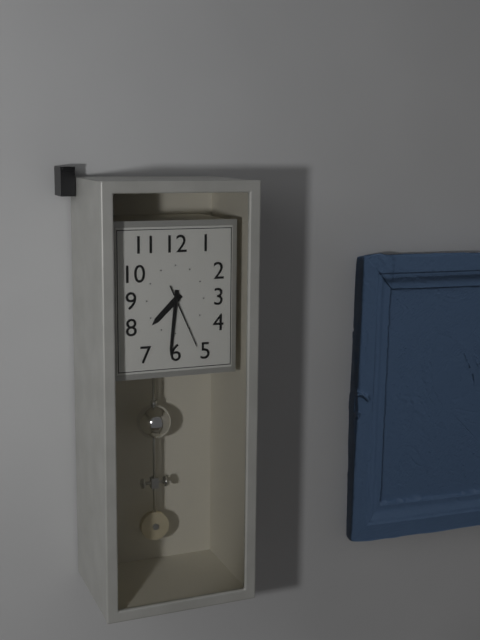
7.31.26
